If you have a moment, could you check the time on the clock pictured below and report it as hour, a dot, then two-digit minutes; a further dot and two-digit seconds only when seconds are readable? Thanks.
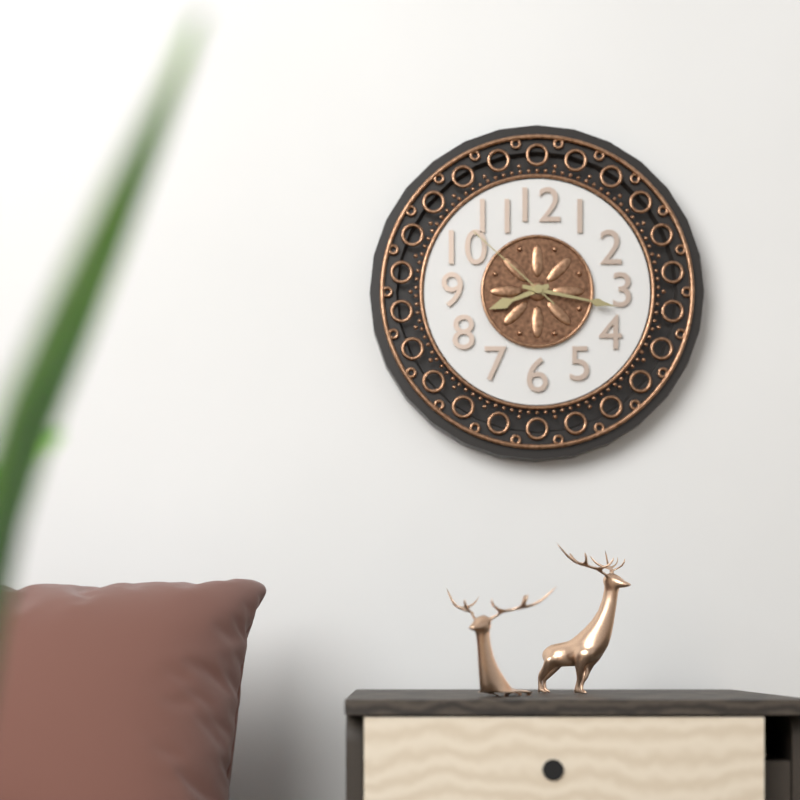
8.17.52
